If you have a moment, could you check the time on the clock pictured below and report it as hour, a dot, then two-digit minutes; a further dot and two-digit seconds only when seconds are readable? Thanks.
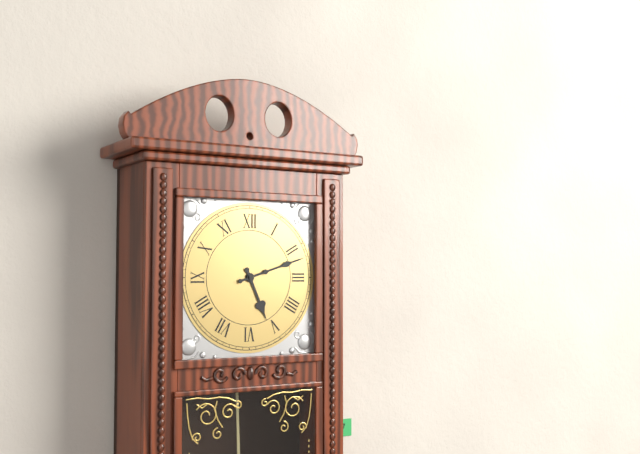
5.12
